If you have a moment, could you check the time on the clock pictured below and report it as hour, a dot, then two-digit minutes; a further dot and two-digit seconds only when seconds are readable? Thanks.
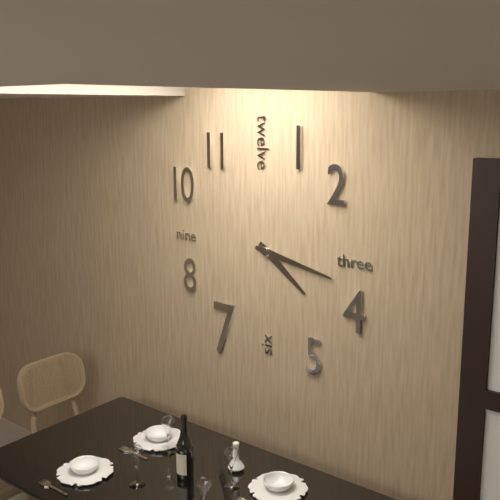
4.17
